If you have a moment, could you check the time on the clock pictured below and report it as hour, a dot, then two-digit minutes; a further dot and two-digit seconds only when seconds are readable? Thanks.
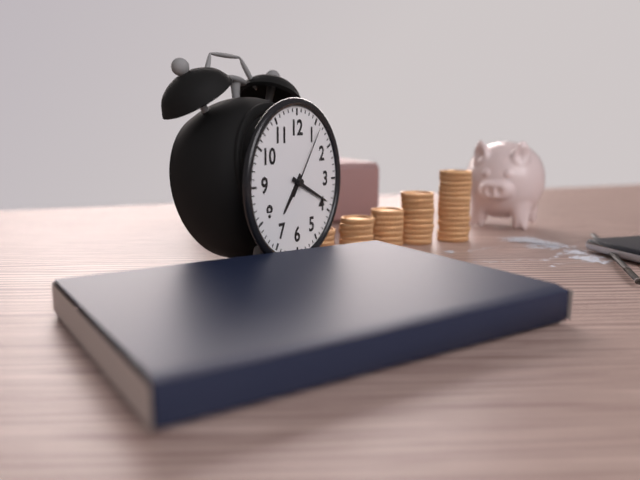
7.19.06
